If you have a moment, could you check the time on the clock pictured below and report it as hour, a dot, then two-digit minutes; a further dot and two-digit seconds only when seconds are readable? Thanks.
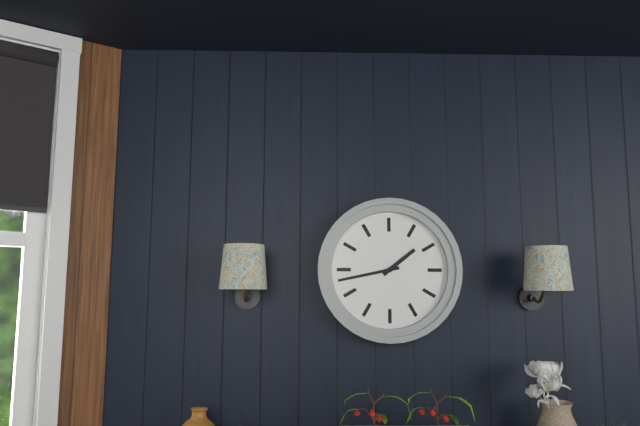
1.43
